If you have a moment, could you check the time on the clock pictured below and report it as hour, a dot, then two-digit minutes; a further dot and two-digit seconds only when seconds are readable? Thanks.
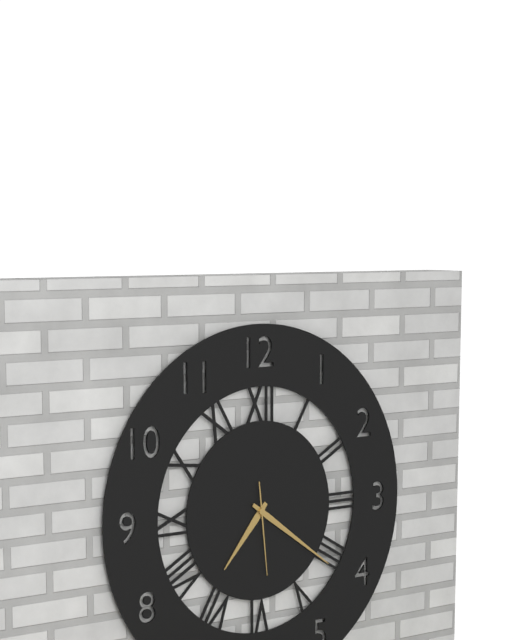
7.21.29
